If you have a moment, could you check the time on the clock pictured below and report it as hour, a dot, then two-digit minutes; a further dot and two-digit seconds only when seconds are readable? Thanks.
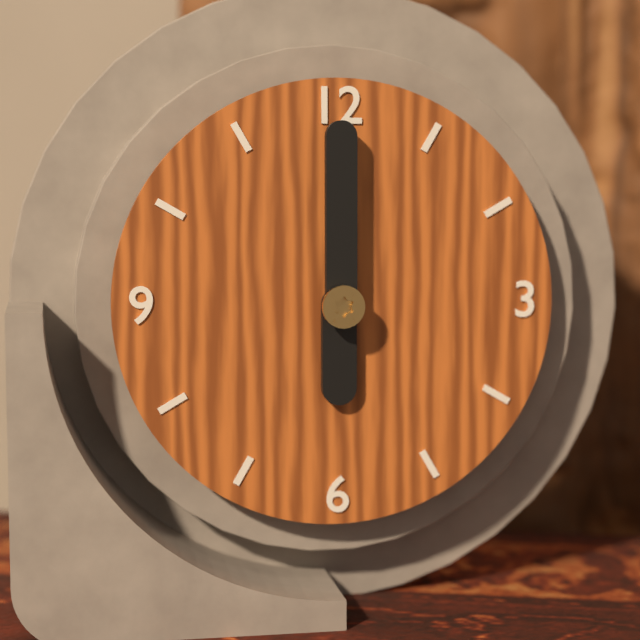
6.00
